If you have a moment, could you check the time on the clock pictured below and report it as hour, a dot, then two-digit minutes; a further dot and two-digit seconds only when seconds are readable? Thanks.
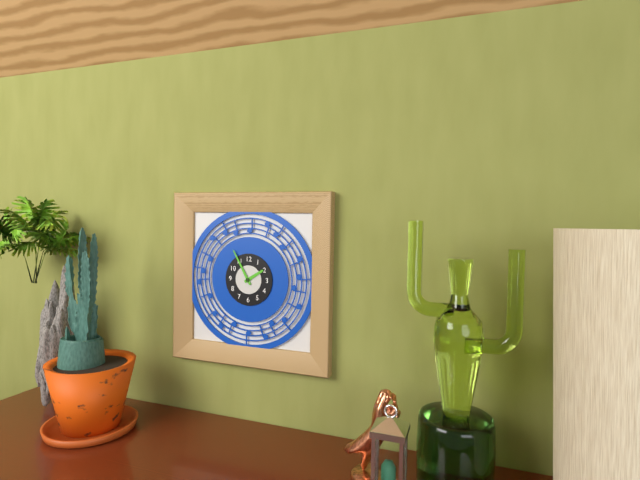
1.55
